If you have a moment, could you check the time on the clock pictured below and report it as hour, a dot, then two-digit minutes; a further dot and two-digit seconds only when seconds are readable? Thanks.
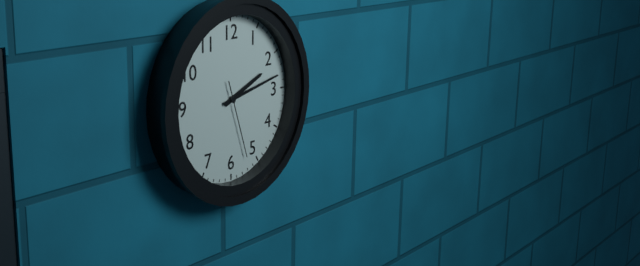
2.13.27
